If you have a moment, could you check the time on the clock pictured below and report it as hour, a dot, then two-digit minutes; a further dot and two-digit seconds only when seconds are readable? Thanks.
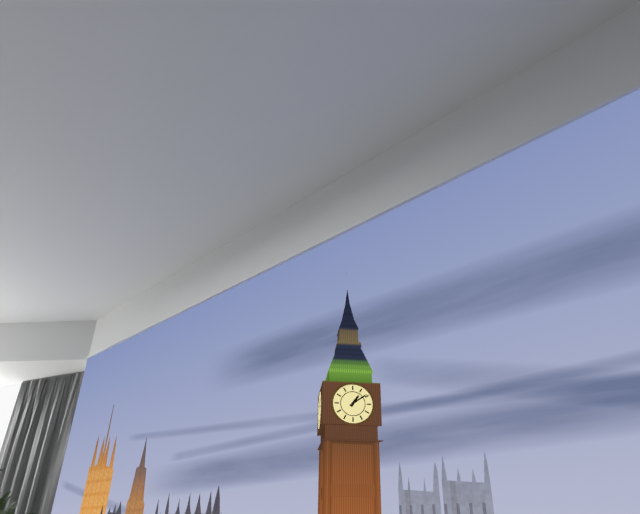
1.09
